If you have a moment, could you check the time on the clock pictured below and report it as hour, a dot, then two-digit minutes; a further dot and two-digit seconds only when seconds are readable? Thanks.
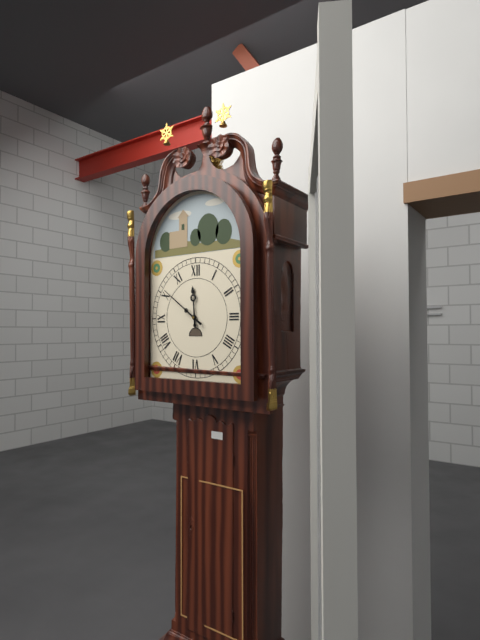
11.51
